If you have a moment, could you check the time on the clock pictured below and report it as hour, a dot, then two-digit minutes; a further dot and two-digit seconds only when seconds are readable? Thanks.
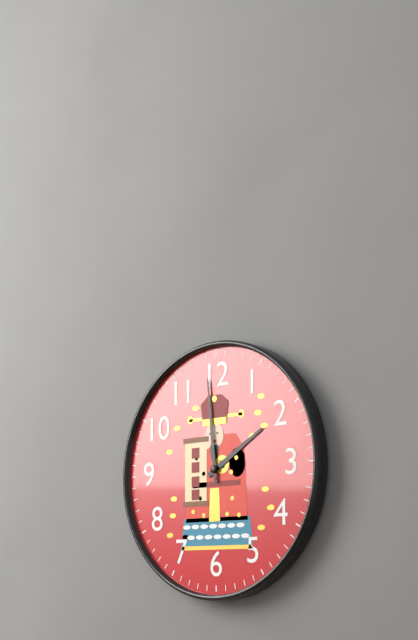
1.59
